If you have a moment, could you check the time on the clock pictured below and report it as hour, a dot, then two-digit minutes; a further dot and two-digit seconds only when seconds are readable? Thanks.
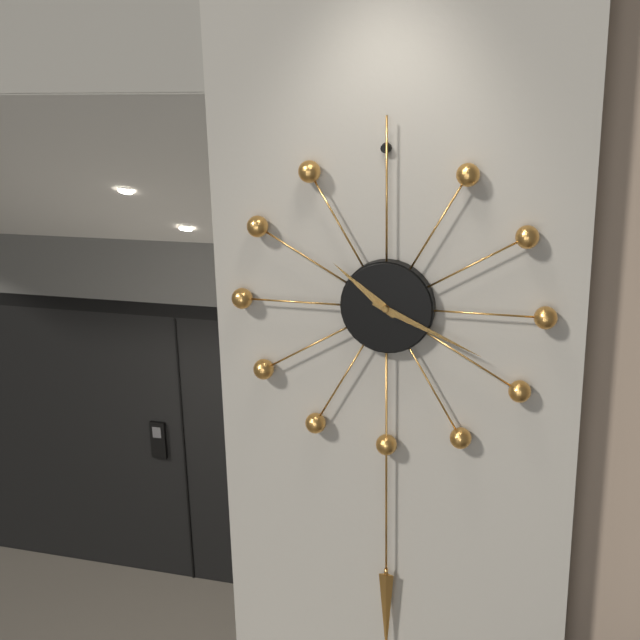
10.19
